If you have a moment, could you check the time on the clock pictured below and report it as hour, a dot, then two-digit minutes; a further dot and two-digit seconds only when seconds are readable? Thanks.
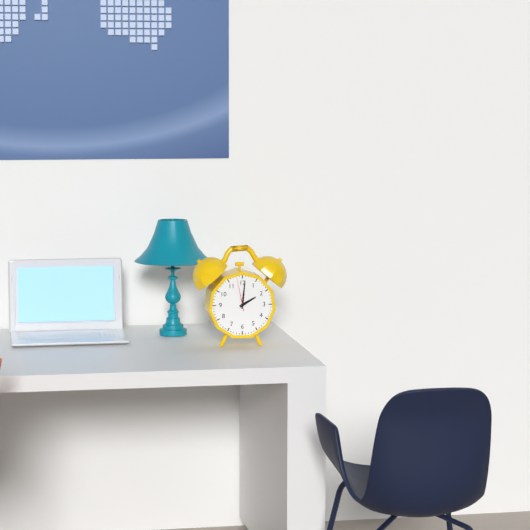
2.01
